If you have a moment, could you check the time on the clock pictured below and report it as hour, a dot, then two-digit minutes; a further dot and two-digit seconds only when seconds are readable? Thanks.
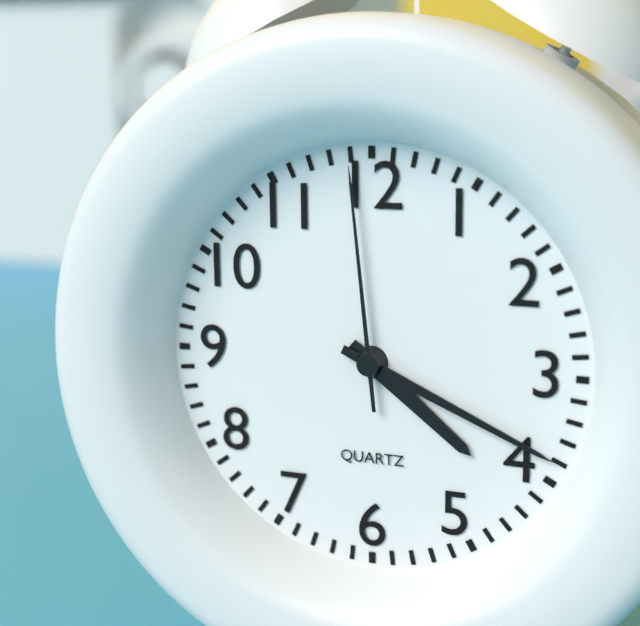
4.19.59
